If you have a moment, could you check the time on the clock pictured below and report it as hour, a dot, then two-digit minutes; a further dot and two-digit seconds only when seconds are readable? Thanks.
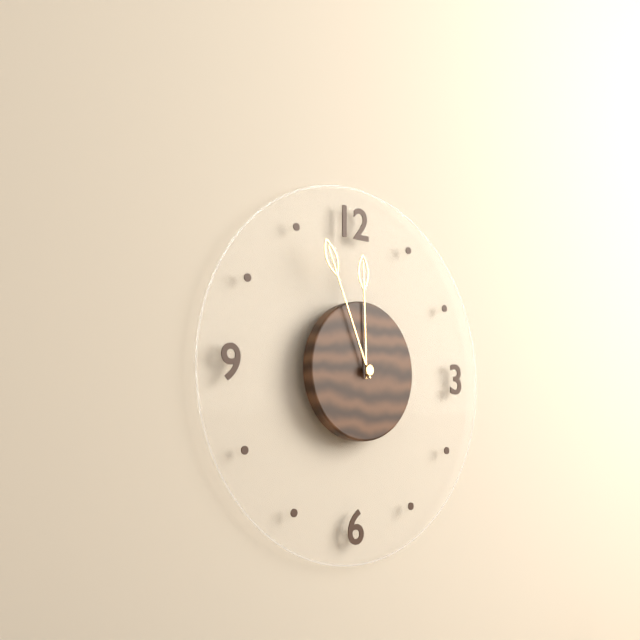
11.56
